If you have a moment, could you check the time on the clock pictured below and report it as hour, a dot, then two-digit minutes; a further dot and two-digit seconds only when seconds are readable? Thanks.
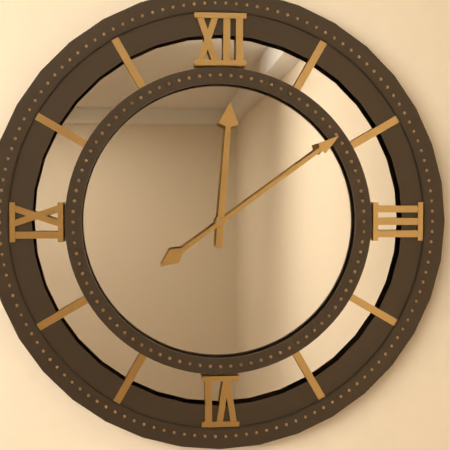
12.09
